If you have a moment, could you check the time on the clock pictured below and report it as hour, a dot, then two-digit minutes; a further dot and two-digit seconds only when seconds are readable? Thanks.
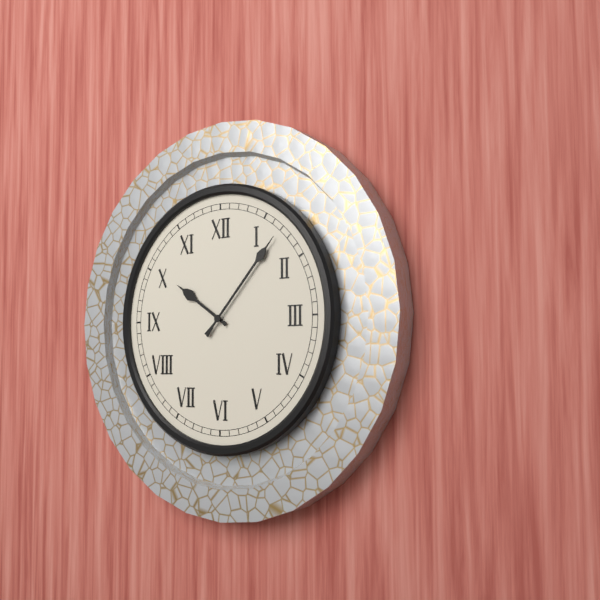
10.07
